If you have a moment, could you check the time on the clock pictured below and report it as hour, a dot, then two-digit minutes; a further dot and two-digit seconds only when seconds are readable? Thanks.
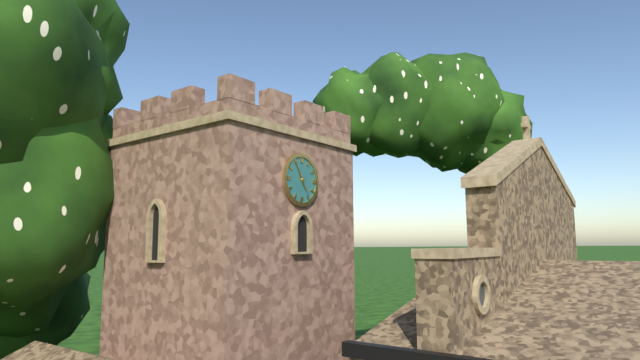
4.55
